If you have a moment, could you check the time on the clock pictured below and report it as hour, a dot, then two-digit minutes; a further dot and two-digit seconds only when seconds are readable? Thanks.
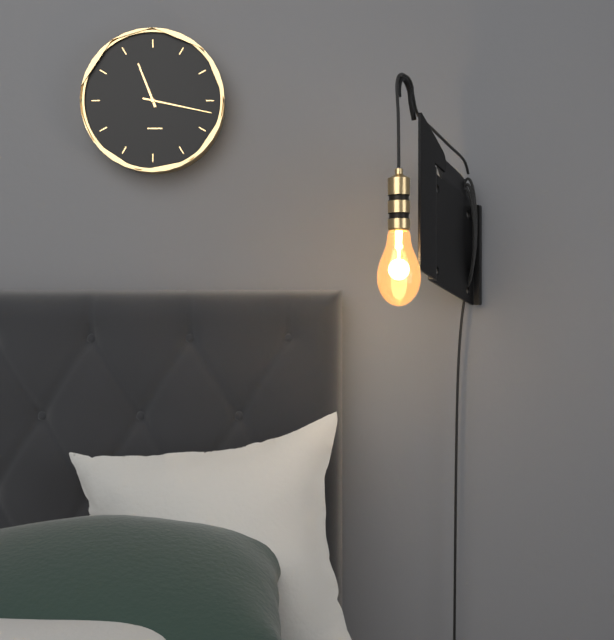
11.17
